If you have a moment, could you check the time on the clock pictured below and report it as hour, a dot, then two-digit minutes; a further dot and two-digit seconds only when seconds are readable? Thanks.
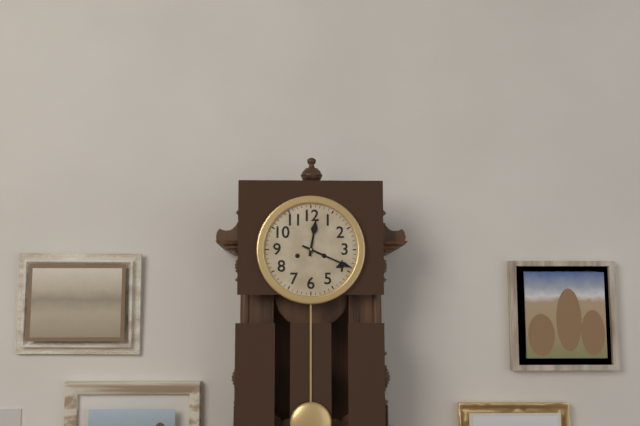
12.19
